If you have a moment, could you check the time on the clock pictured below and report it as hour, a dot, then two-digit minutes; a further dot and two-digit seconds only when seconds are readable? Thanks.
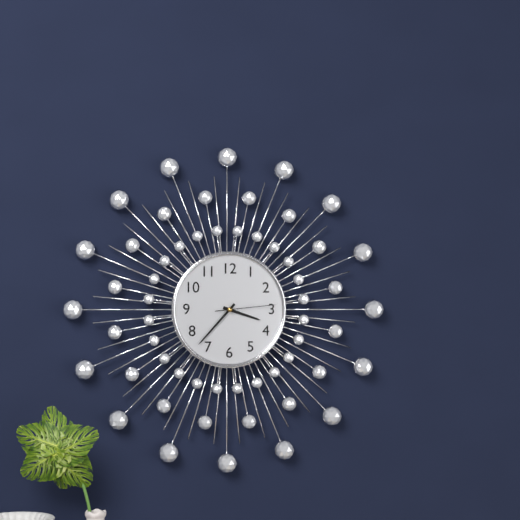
3.37.14
